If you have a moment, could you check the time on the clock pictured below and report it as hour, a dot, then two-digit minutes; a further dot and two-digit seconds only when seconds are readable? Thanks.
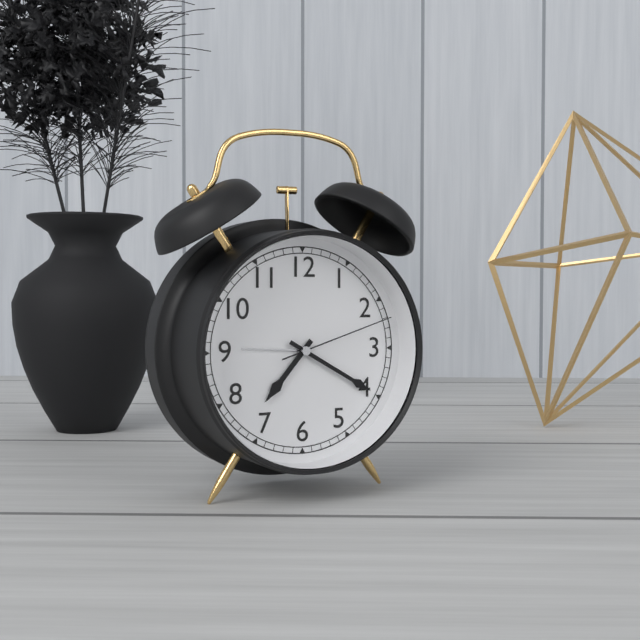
7.20.12
